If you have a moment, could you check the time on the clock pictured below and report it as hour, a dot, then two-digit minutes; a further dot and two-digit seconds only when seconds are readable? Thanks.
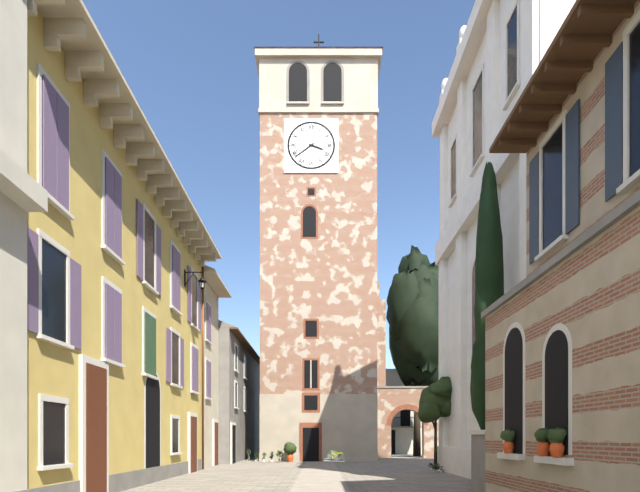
3.39
